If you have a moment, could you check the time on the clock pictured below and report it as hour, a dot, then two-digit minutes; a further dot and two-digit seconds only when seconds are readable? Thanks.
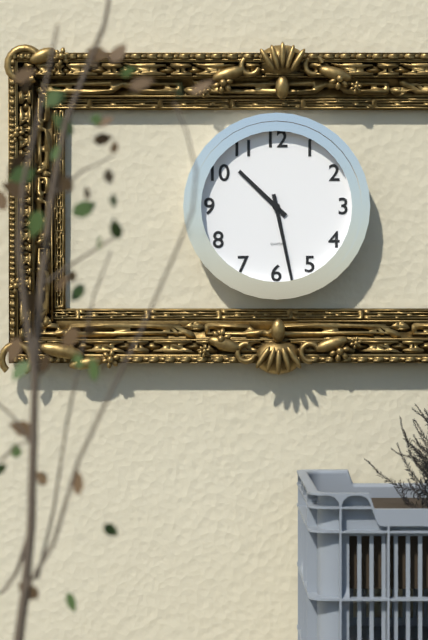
10.28
